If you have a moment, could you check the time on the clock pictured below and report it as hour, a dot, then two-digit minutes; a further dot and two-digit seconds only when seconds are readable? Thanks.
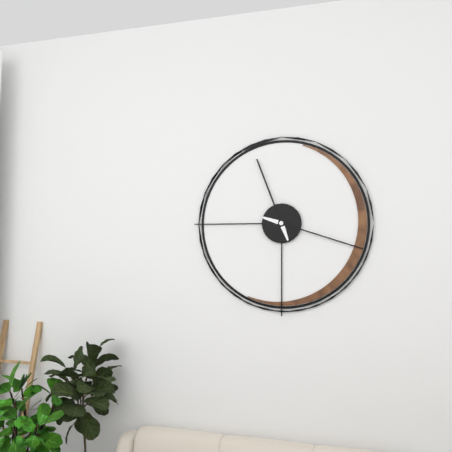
11.18
